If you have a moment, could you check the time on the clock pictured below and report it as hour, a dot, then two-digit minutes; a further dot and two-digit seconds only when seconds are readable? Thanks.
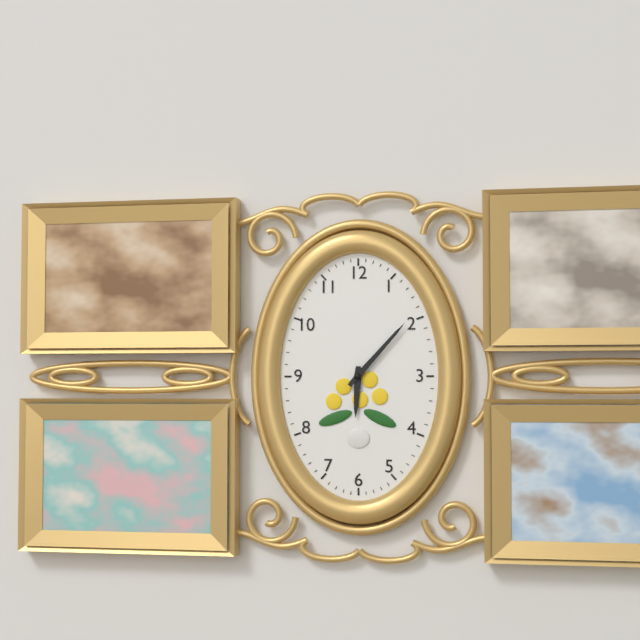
6.07
